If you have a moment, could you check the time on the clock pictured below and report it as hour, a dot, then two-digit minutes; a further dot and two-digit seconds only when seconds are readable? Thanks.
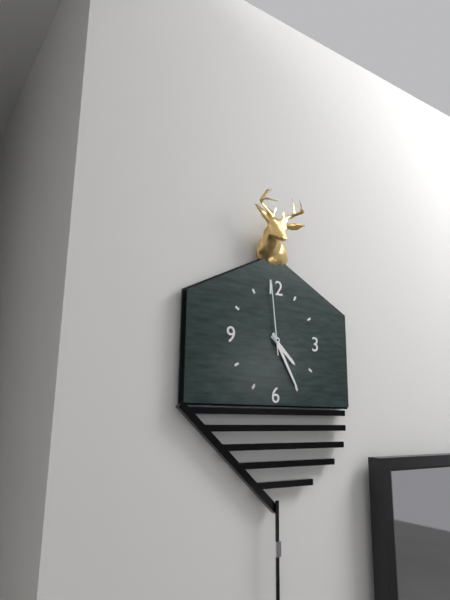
4.25.59
